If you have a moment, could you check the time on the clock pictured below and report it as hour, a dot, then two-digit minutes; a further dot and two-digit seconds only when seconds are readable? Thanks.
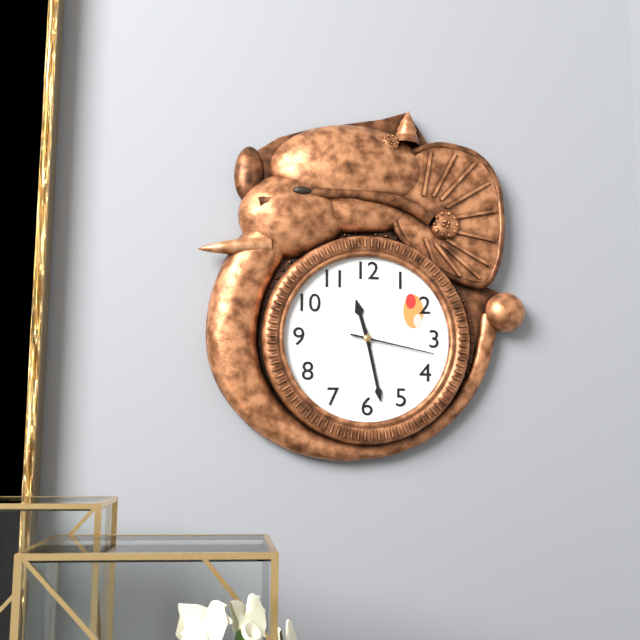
11.28.17
